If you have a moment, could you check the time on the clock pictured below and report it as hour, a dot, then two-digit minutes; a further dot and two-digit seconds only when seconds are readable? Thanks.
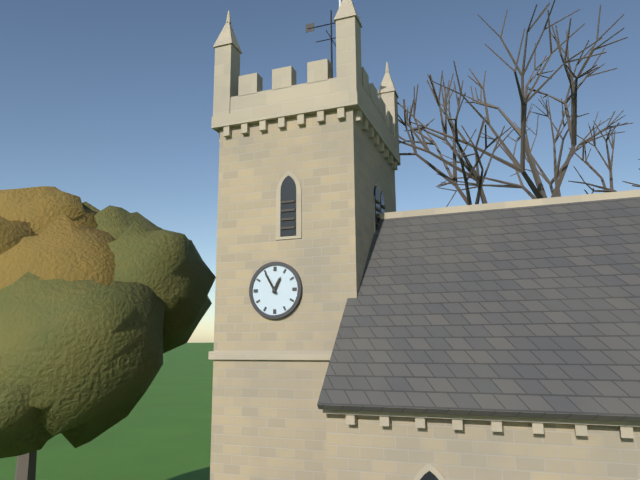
12.55
